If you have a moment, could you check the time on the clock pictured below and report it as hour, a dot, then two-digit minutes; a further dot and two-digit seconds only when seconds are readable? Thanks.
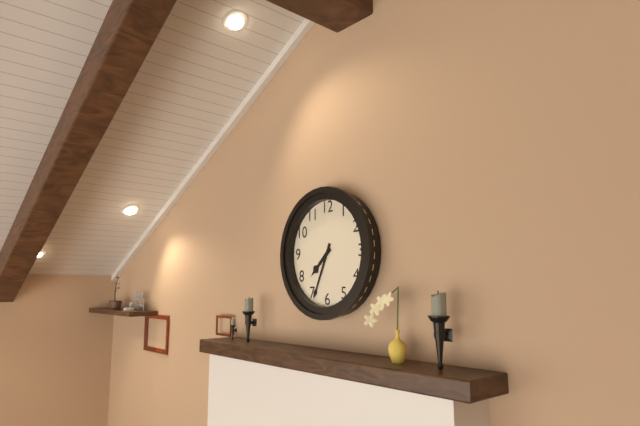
7.34
